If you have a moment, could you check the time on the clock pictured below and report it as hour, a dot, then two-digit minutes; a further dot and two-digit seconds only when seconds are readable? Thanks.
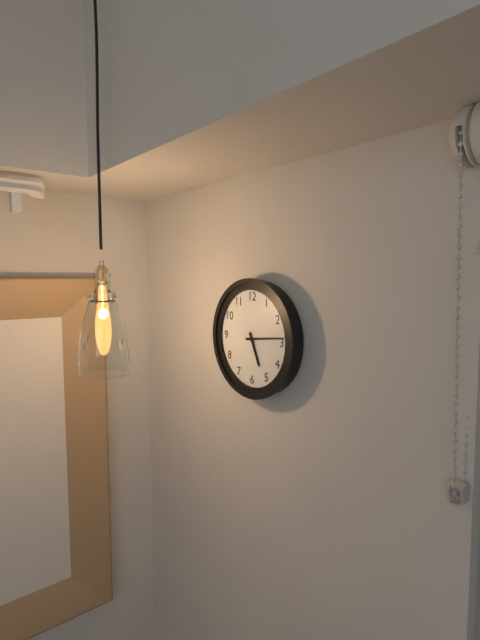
5.14
